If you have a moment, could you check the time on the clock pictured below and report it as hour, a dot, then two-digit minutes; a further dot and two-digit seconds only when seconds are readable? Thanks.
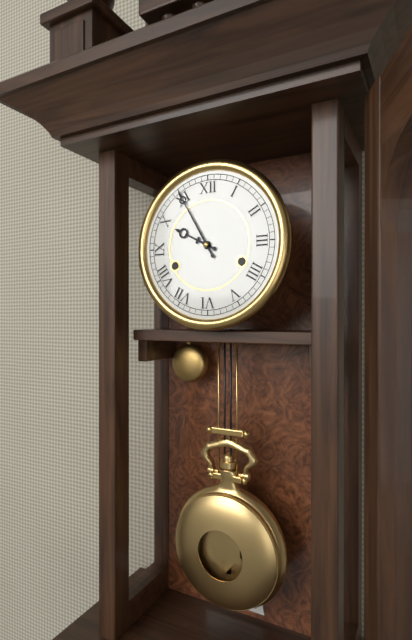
9.55
